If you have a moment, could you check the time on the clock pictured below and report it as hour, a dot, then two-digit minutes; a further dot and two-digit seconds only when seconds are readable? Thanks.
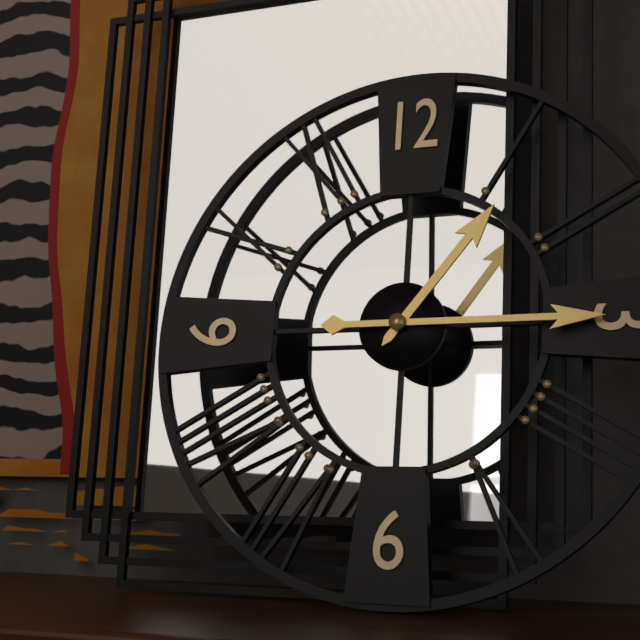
1.15
